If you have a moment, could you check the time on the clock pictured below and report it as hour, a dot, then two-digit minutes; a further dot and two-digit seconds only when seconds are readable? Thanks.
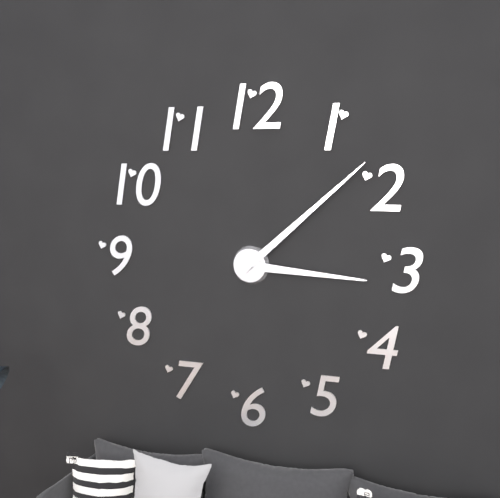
3.08
